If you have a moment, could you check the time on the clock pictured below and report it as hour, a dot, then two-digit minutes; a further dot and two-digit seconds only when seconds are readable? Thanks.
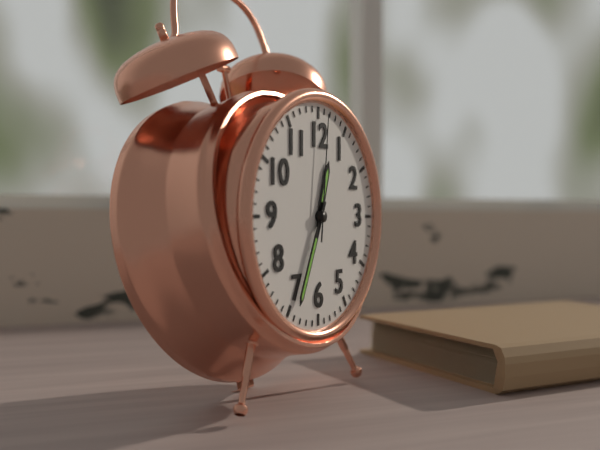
12.34.01
